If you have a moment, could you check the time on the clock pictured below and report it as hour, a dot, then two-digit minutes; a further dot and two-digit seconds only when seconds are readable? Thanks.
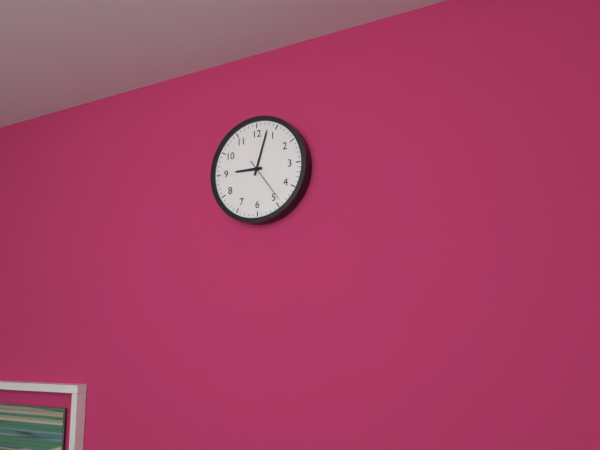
9.03
